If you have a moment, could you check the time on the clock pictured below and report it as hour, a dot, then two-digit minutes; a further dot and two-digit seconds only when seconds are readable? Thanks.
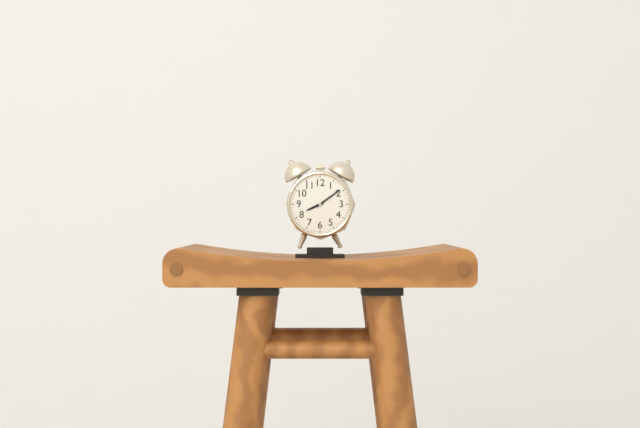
8.09
